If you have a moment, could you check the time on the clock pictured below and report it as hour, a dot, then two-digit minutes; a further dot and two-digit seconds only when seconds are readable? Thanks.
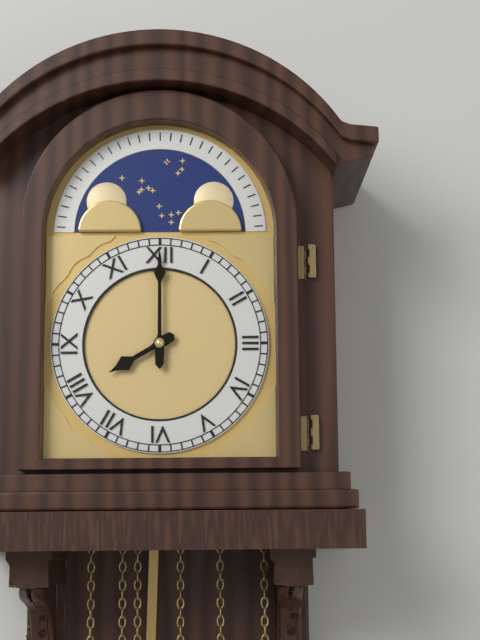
8.00
